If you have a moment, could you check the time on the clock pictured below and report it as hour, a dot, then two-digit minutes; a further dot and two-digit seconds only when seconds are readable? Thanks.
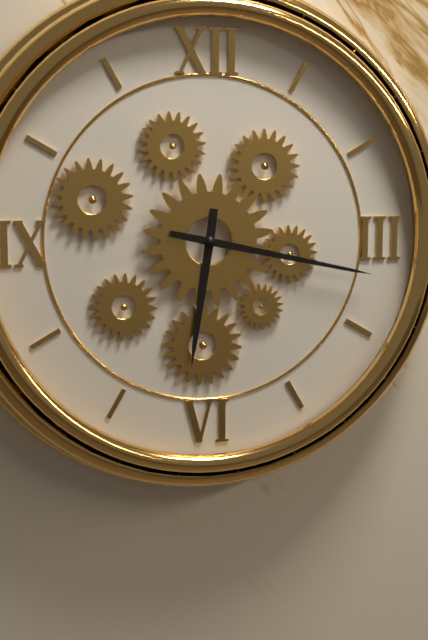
6.17
